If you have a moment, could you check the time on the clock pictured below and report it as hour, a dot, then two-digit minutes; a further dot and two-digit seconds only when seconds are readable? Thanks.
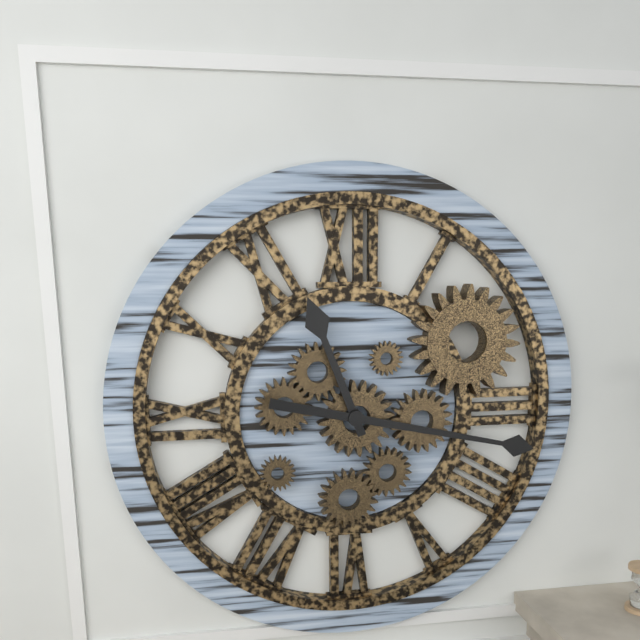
11.17
